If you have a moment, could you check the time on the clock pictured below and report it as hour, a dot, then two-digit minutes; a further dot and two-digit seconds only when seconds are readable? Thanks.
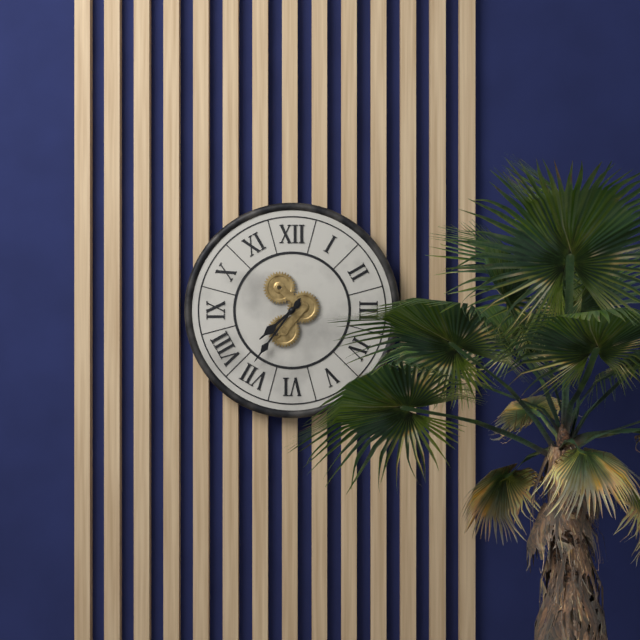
7.36
